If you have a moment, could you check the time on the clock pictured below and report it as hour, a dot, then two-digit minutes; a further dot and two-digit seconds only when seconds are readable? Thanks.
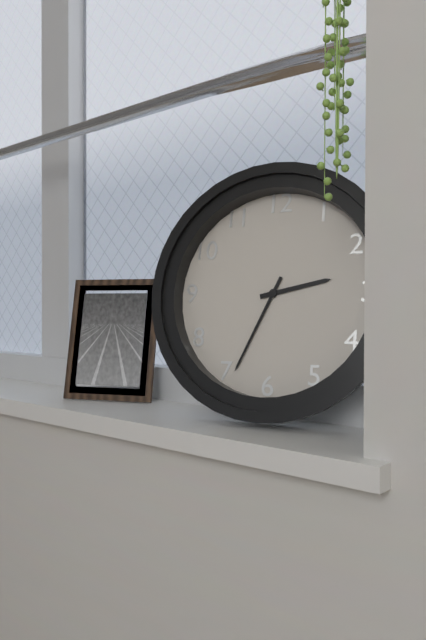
2.34
